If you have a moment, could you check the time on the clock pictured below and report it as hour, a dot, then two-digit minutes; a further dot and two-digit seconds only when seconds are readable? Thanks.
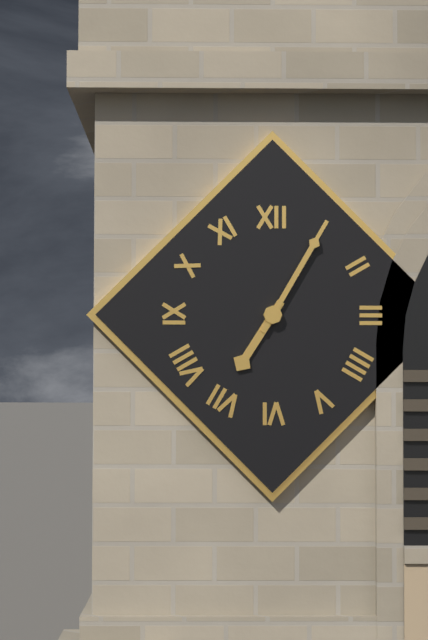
7.05
